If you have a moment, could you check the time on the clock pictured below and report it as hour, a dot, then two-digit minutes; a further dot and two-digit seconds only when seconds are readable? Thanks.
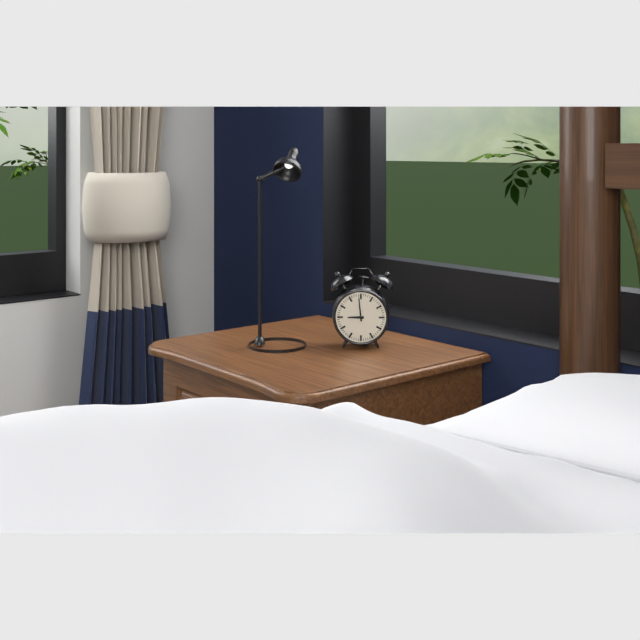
8.59
